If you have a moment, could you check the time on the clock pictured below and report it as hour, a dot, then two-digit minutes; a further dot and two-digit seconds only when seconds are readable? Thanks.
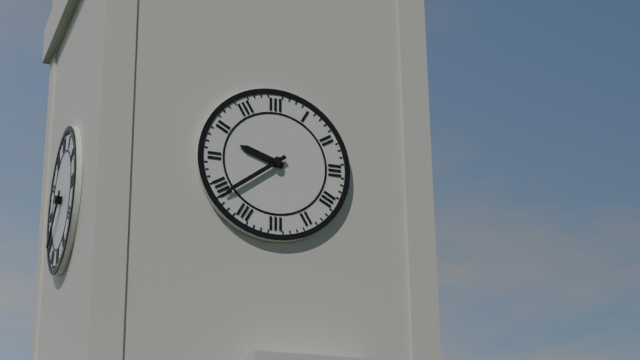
9.39
